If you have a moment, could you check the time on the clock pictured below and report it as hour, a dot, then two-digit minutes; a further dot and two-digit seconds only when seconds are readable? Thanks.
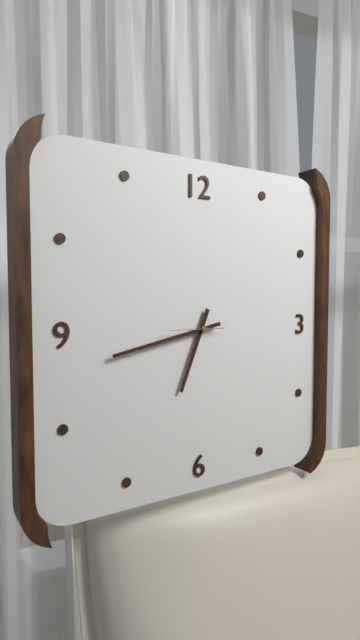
6.43
